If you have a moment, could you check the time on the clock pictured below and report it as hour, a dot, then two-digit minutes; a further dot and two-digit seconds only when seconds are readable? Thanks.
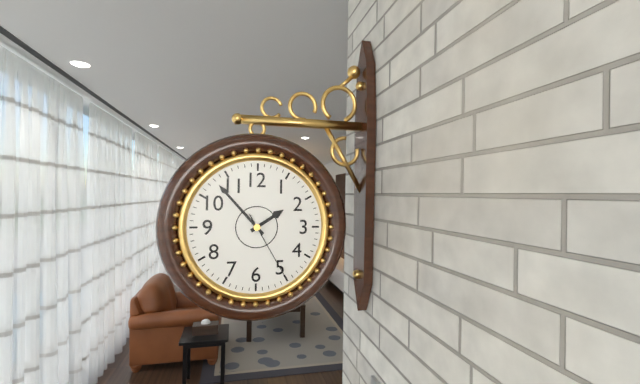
1.53.25
